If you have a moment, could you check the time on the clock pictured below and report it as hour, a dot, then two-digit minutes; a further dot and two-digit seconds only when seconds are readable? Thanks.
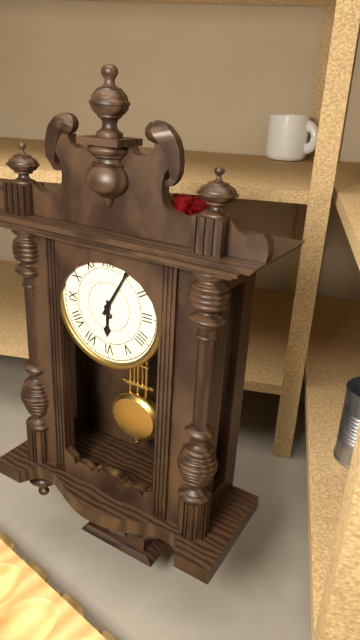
6.05
